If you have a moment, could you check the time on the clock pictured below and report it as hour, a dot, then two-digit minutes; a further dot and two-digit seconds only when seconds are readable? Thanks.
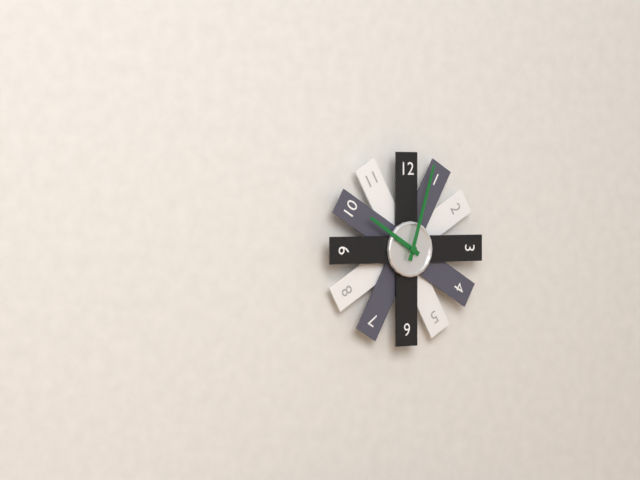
10.03
